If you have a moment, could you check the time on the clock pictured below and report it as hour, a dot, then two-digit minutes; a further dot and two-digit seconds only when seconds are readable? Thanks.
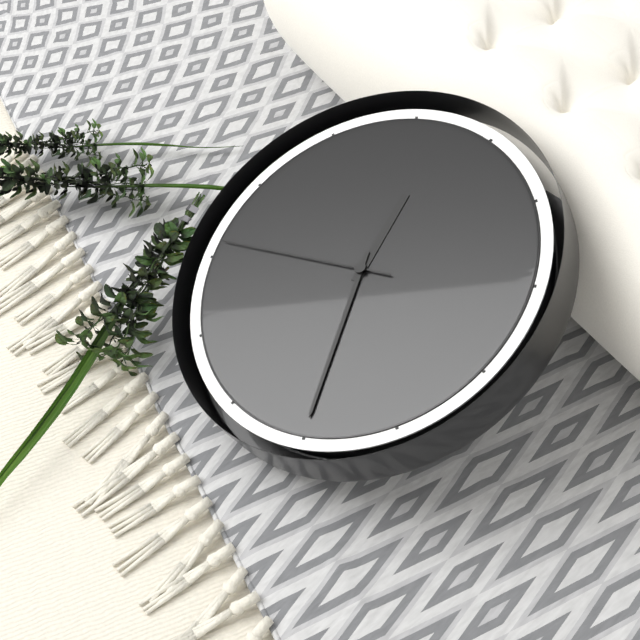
11.25.41
